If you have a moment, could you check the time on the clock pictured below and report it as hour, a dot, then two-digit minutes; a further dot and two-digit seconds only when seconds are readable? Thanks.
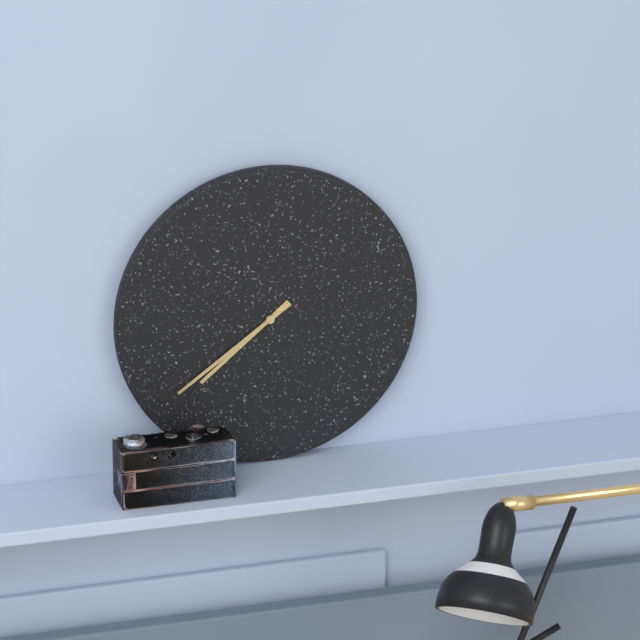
7.39
